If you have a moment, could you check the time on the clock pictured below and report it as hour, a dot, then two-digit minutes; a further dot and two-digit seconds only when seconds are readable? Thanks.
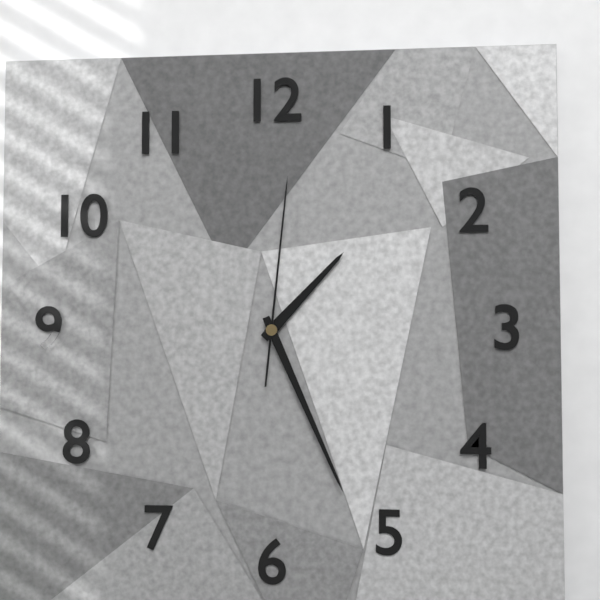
1.26.01
